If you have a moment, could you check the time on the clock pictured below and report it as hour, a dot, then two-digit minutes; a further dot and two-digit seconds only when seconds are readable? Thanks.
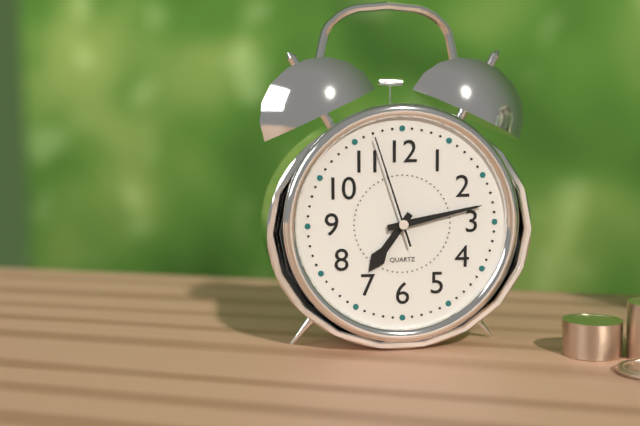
7.13.57
